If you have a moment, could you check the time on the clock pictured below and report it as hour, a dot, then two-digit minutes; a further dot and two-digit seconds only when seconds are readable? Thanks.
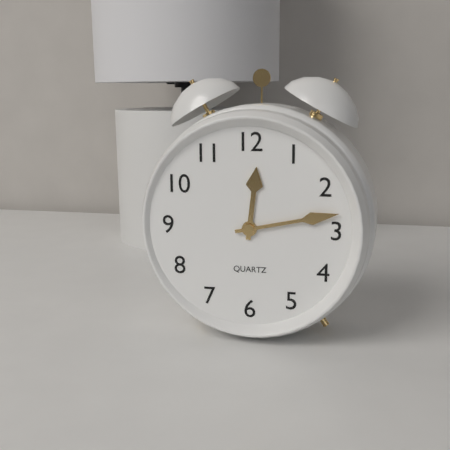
12.13
